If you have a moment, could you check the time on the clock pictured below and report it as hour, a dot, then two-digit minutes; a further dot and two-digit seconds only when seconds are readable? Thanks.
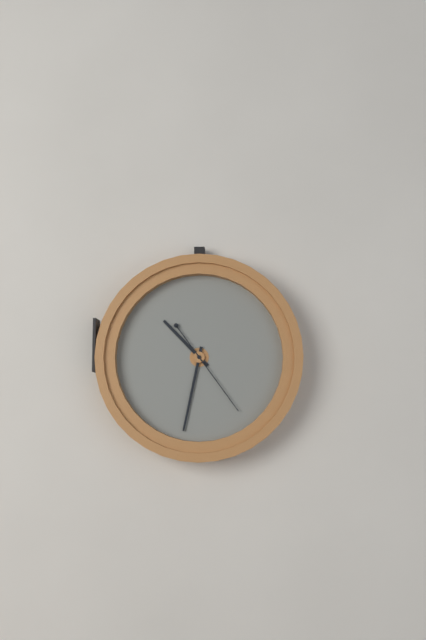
10.32.24
